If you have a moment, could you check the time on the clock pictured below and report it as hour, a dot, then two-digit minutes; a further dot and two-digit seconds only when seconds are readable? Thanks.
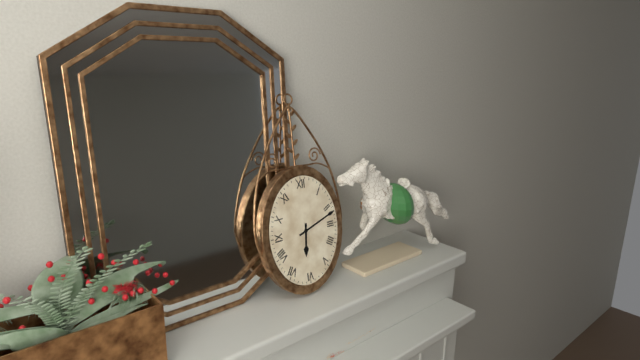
6.12
